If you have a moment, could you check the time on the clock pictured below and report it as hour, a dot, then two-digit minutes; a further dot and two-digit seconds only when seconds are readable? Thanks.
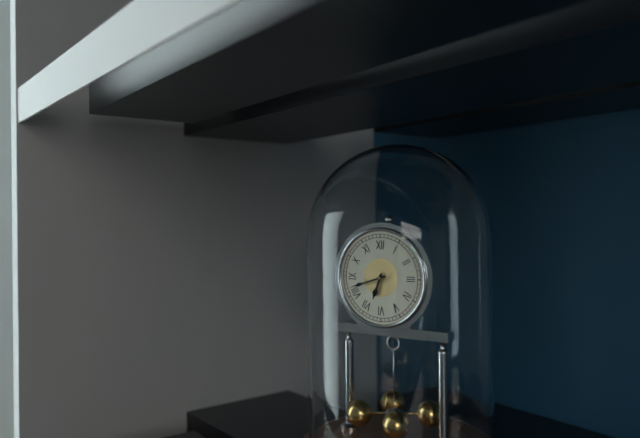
6.42
